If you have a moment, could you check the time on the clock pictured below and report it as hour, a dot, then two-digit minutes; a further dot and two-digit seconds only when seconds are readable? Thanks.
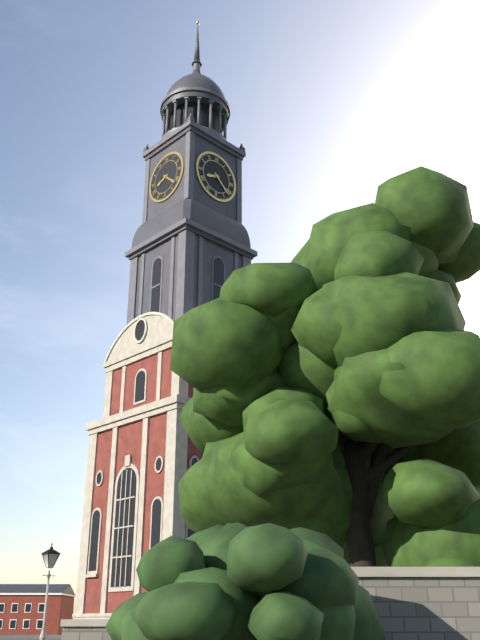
8.22
